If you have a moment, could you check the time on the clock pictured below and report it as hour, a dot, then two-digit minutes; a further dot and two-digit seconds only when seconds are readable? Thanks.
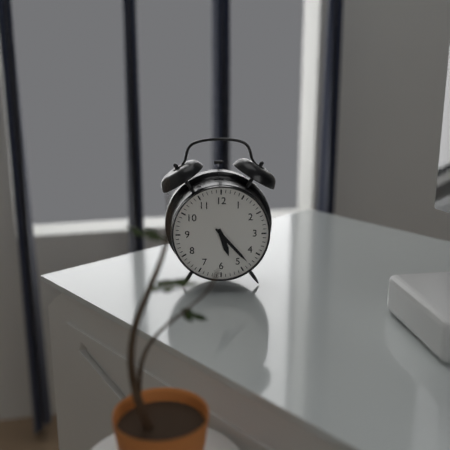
5.23
